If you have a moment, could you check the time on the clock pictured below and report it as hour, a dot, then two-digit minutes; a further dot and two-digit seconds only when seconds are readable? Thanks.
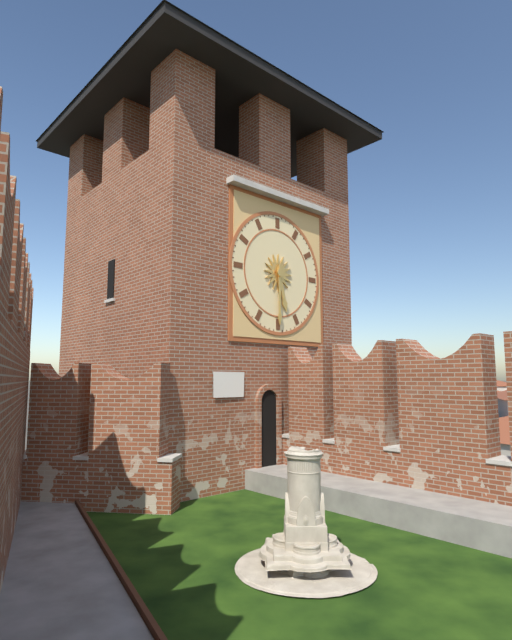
5.30
